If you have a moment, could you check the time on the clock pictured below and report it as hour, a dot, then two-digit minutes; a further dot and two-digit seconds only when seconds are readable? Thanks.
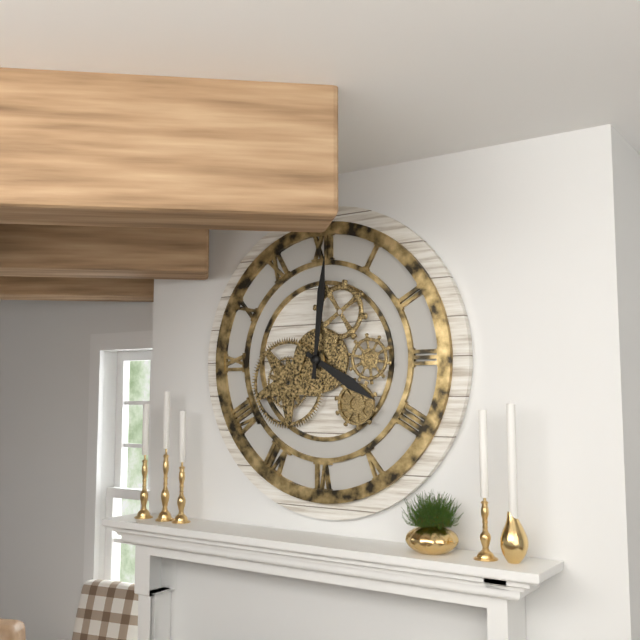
4.01
